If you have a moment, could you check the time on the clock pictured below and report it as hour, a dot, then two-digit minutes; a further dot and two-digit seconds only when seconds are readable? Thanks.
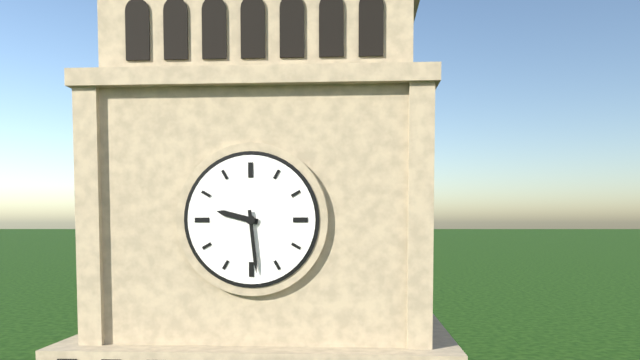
9.29
